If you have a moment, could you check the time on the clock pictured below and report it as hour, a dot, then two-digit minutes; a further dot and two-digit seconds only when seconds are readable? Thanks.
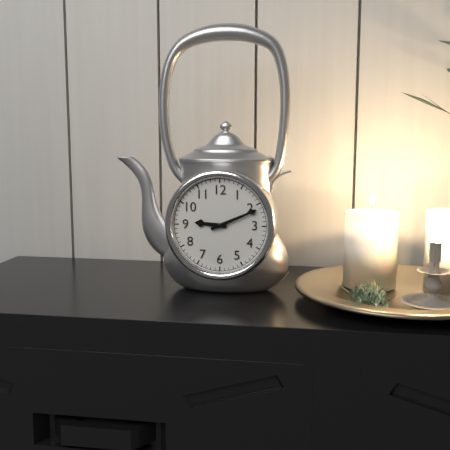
9.11
